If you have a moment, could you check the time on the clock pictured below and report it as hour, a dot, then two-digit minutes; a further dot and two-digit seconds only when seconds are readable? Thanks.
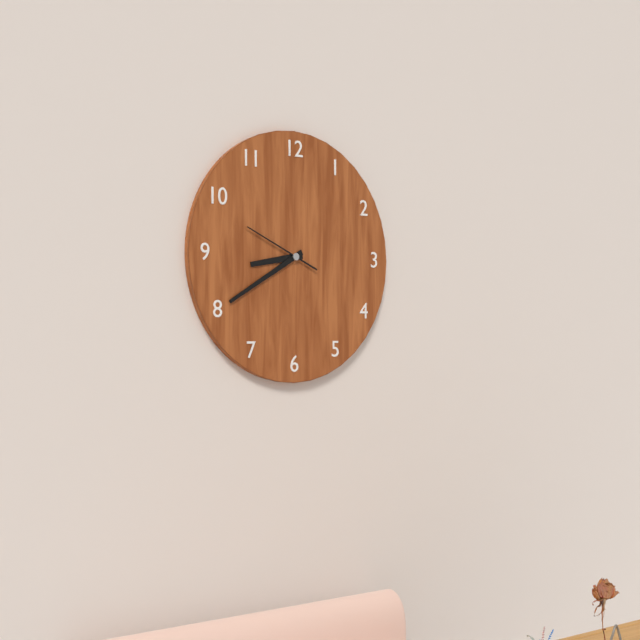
8.40.49
